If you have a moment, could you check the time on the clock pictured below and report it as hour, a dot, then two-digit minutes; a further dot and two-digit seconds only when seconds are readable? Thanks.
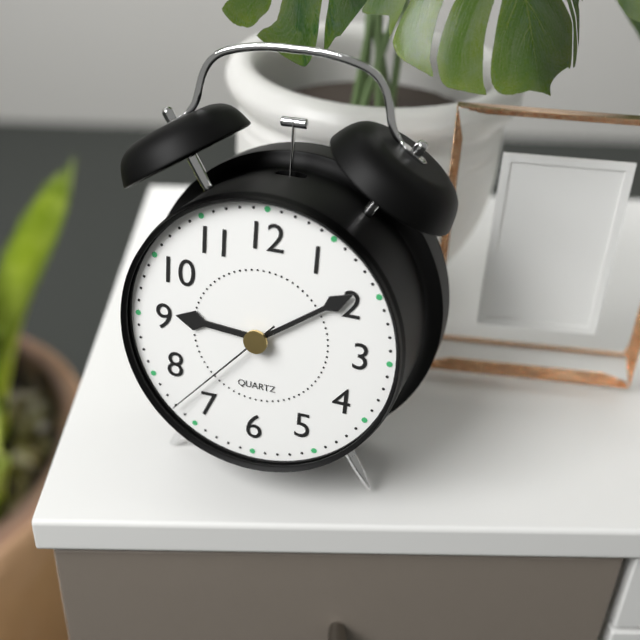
9.09.37
